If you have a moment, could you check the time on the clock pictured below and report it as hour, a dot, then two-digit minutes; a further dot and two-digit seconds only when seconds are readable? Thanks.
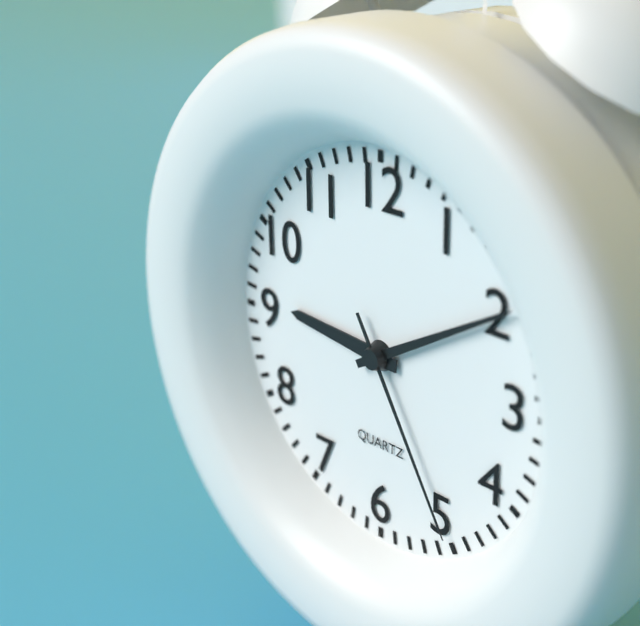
9.10.25
